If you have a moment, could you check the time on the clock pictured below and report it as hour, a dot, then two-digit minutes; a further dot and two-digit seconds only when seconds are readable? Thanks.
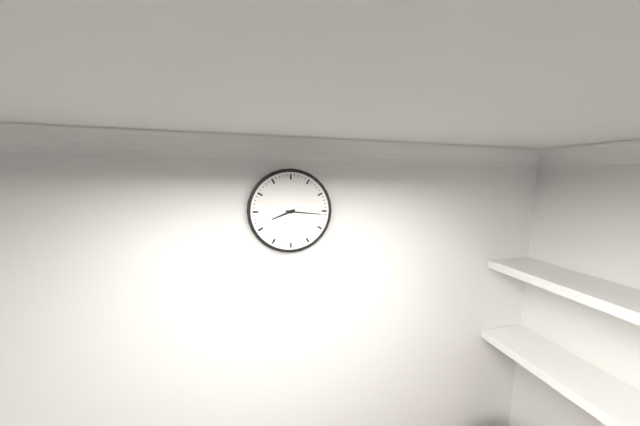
8.16
